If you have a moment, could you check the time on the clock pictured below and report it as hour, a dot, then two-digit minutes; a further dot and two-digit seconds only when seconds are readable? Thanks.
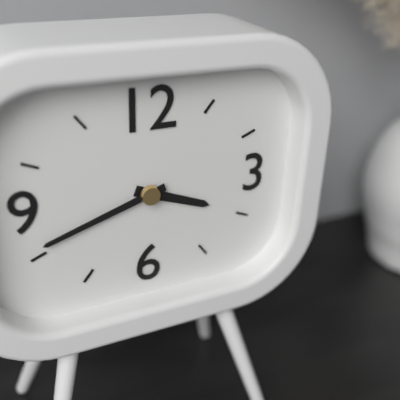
3.42
